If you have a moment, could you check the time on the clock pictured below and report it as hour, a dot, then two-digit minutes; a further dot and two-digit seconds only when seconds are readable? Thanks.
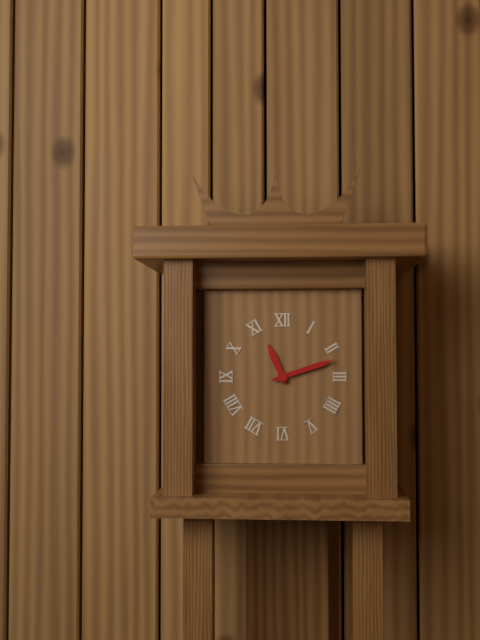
11.12
